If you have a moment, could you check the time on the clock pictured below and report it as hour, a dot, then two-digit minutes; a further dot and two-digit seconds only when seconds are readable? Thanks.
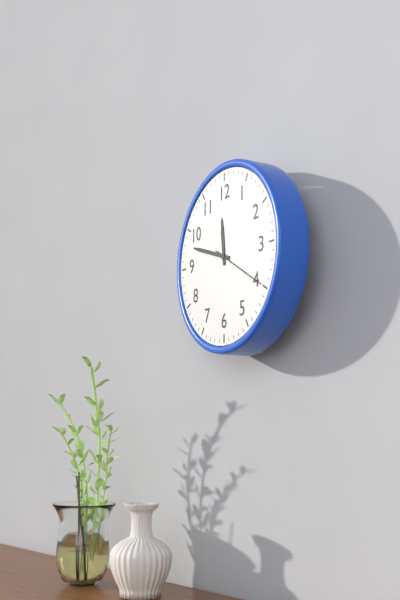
11.48.20
